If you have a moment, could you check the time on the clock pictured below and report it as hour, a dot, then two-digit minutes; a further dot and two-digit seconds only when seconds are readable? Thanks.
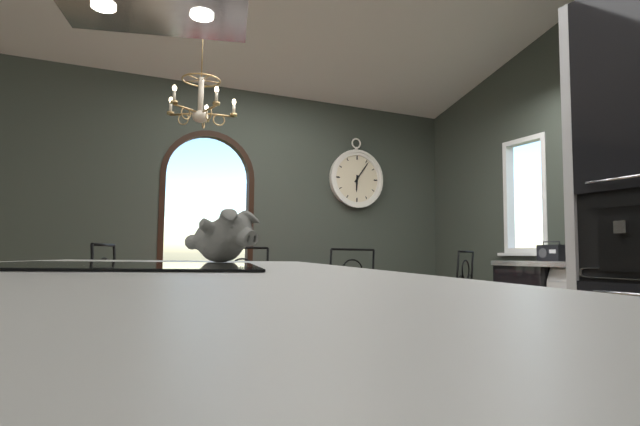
6.06
